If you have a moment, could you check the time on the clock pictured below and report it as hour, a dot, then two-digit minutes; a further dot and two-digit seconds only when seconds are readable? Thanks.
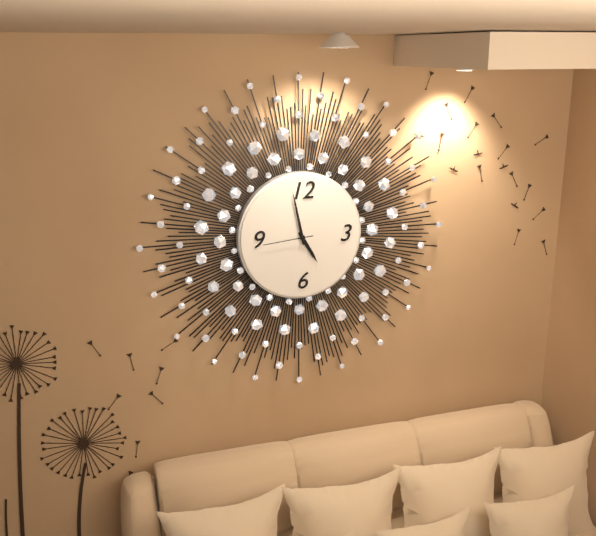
4.58.44
